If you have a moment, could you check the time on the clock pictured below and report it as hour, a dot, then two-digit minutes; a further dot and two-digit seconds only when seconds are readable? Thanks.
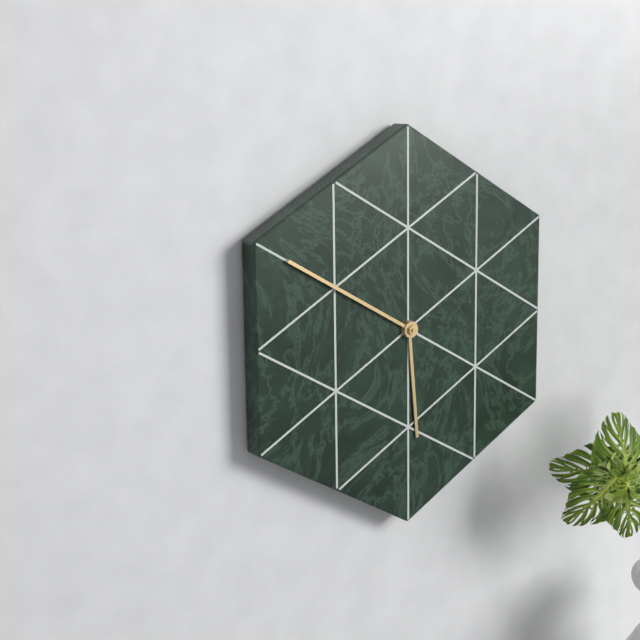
5.50
